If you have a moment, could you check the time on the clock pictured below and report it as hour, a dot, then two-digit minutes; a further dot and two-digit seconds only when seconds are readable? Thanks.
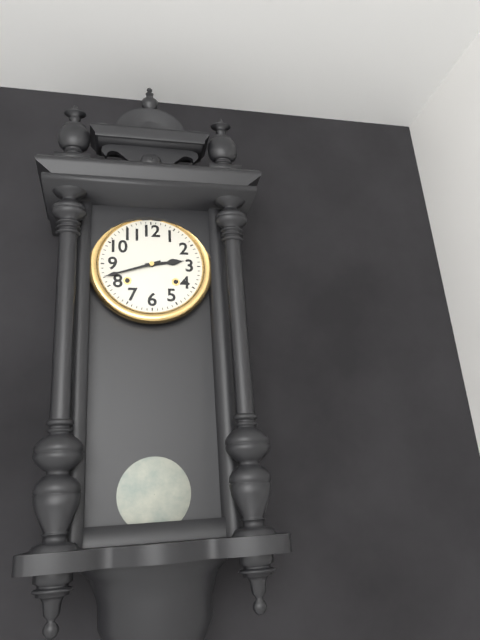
2.42
